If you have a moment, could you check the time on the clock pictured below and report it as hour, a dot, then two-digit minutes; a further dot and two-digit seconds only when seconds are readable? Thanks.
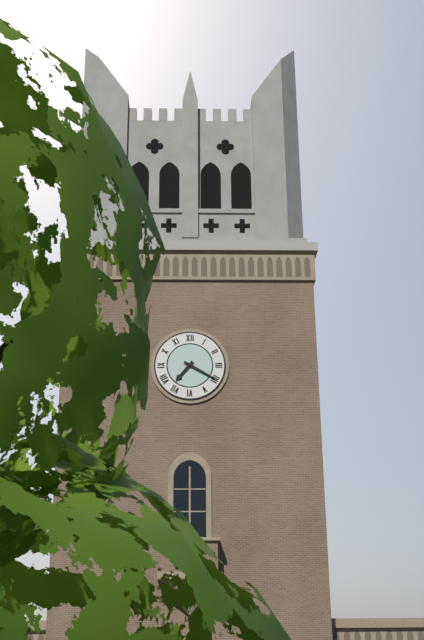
7.20
